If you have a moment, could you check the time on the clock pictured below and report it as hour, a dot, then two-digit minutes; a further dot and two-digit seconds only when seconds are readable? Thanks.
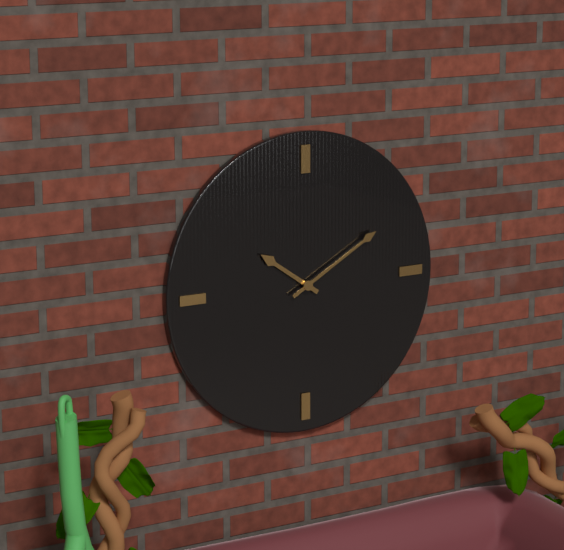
10.10
